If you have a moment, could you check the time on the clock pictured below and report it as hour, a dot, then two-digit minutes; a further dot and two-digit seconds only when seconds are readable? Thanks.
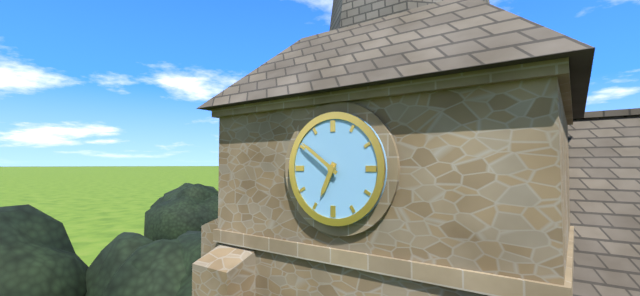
6.51
